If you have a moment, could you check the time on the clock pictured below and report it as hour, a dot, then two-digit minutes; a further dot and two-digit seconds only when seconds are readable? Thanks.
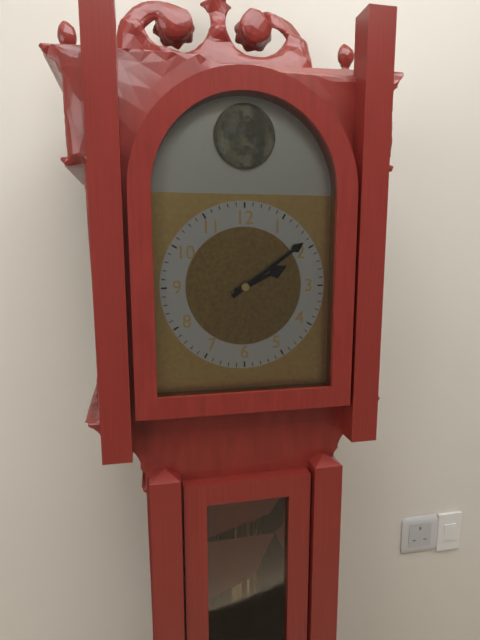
2.09
